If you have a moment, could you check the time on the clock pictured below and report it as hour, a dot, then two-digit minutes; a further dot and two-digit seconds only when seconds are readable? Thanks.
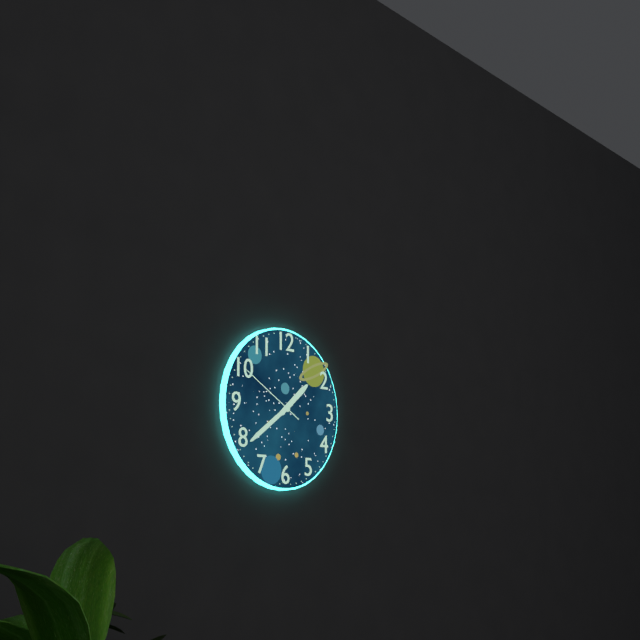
1.39.50
